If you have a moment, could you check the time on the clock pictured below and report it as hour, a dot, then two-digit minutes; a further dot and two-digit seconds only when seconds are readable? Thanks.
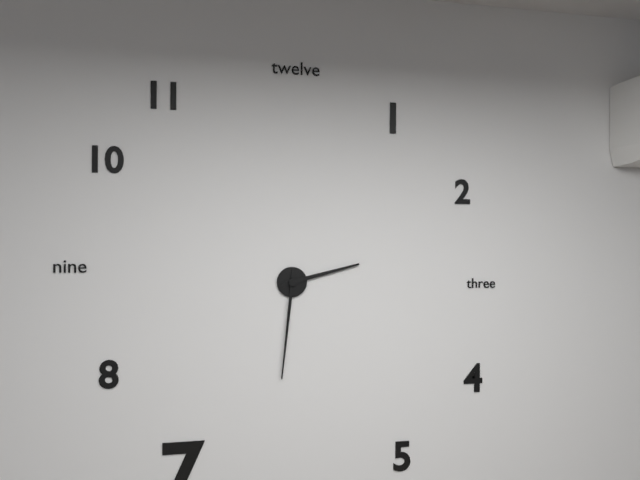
2.31
